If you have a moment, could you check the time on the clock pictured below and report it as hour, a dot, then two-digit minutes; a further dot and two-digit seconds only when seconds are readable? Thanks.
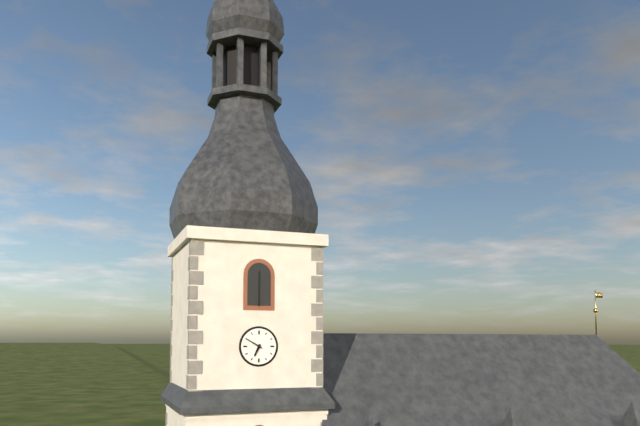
6.50
